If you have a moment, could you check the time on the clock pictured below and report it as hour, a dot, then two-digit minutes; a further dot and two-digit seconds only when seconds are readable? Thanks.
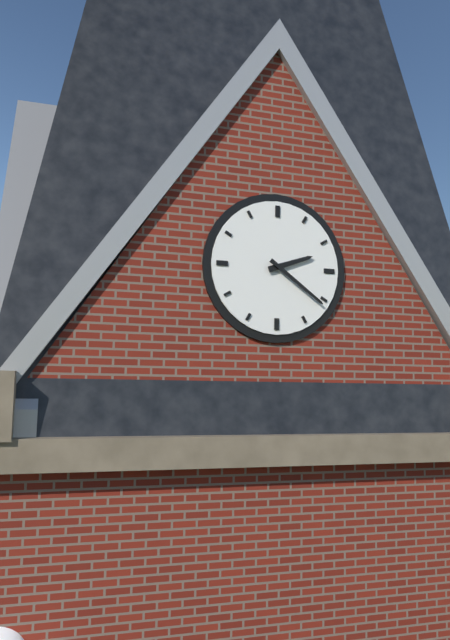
2.21
